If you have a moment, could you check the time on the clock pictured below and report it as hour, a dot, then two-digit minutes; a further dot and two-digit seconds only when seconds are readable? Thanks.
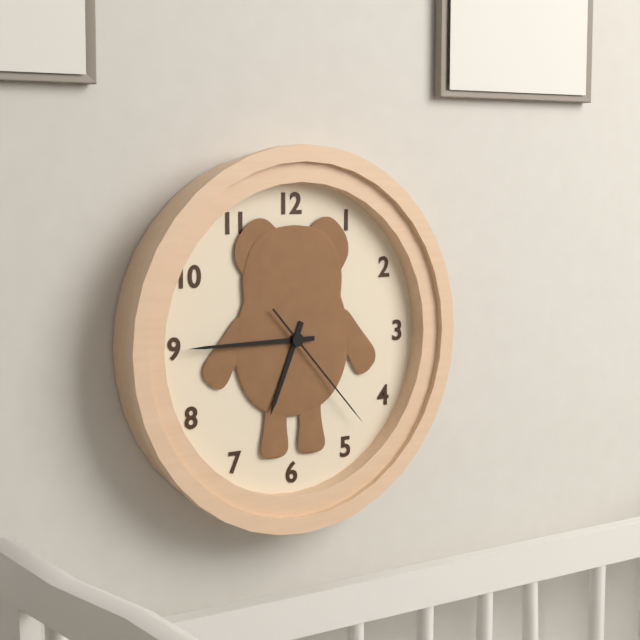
6.45.23
